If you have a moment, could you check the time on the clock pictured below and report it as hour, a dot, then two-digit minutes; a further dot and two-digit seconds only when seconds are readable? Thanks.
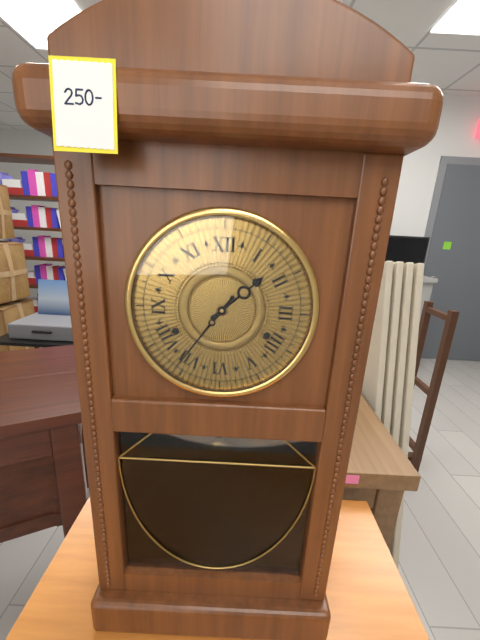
1.36
